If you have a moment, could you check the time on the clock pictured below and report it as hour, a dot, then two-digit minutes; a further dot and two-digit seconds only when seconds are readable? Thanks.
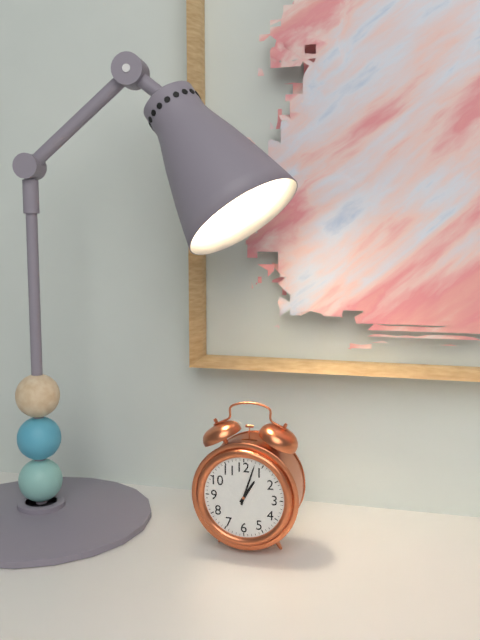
1.03
